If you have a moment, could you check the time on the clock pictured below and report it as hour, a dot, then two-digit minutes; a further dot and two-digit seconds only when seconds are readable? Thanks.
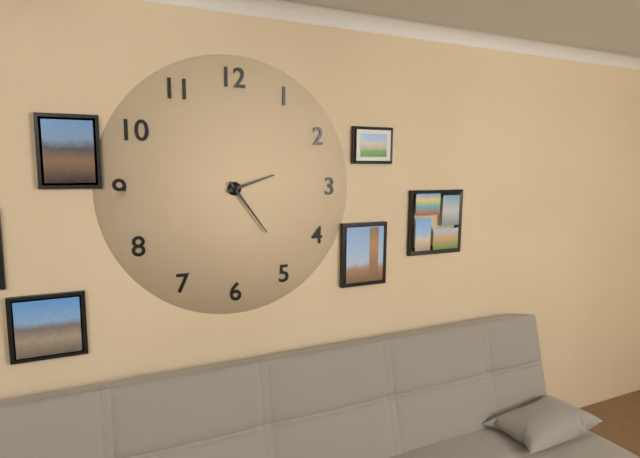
2.24
